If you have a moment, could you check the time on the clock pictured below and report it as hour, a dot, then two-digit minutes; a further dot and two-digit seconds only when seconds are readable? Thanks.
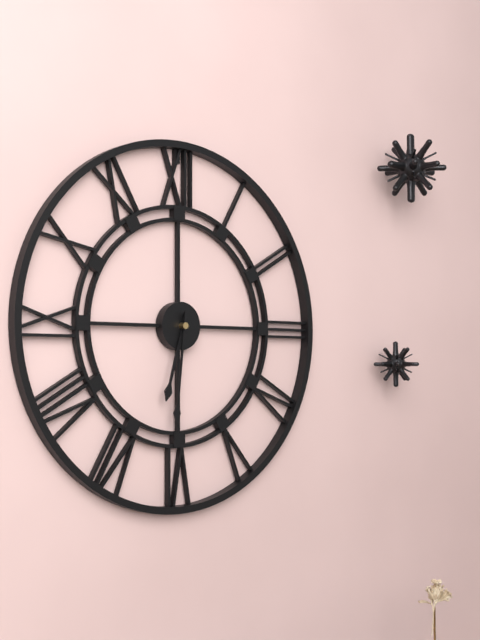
6.31
